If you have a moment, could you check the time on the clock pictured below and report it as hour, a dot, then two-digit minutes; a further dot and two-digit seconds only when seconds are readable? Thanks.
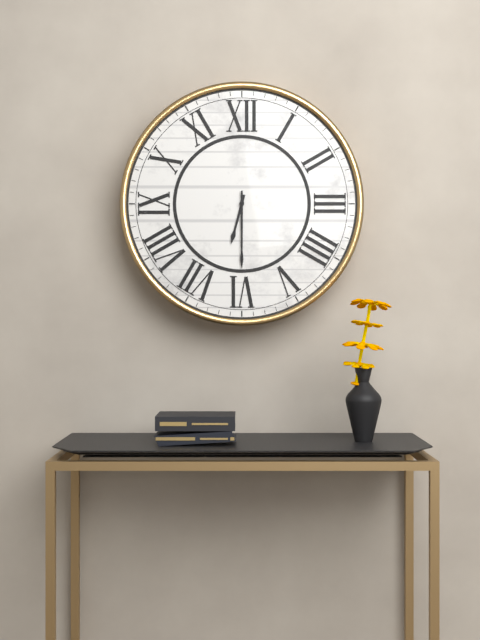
6.30
